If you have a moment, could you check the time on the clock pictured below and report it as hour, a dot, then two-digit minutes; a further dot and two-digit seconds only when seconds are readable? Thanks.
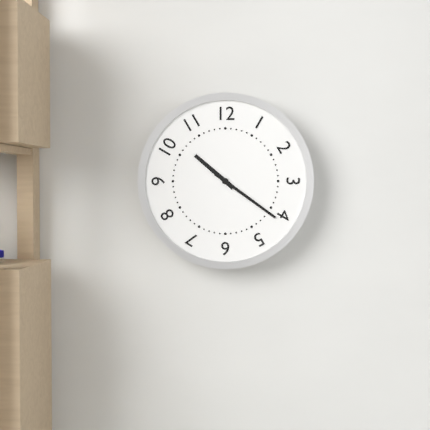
10.21
